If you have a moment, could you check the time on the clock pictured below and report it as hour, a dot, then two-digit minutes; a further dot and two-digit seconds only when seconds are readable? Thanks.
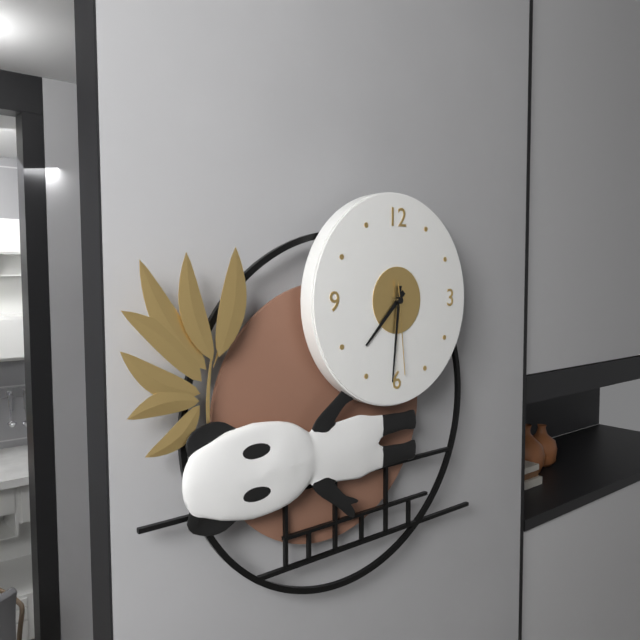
7.31.29
